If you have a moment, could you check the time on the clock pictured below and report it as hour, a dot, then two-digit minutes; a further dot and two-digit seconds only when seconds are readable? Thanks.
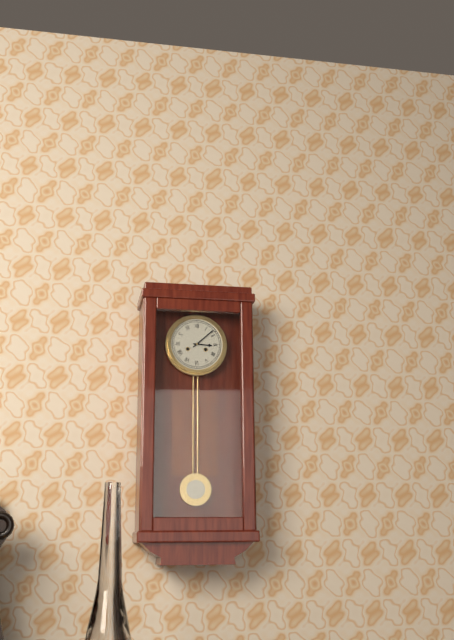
3.08
